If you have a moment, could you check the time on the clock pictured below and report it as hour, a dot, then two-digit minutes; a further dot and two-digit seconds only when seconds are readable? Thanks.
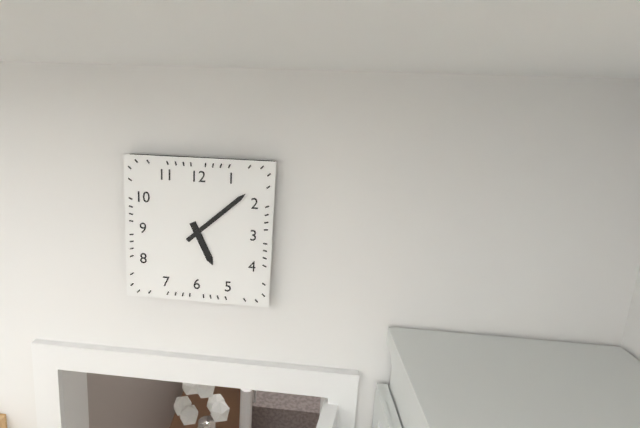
5.08
